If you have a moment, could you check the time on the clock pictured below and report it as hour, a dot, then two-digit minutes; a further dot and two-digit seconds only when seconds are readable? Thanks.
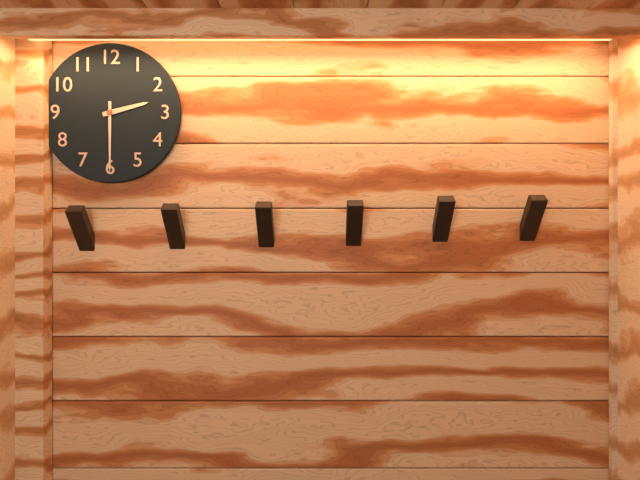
2.30
